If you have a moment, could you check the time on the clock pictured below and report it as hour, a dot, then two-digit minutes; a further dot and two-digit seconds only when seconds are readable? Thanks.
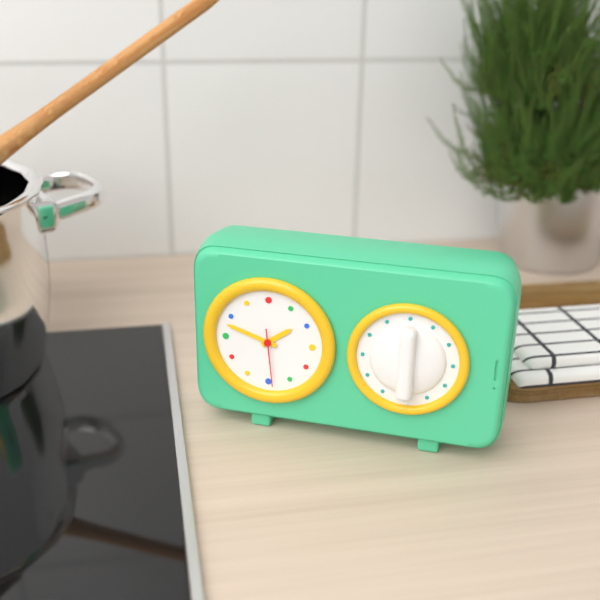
1.48.29
